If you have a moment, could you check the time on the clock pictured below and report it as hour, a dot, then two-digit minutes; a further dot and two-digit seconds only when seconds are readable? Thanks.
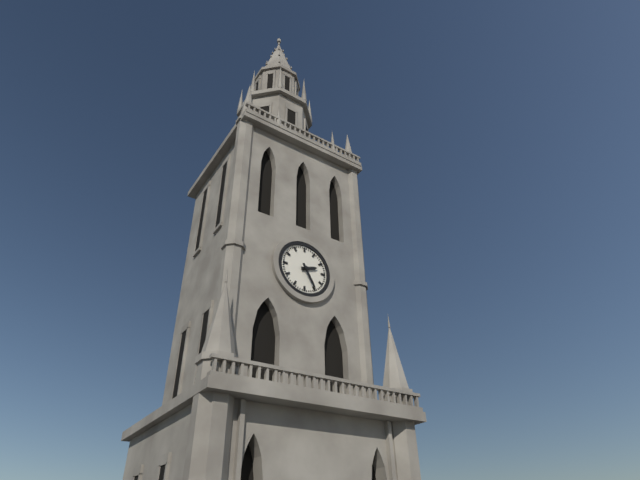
2.25
